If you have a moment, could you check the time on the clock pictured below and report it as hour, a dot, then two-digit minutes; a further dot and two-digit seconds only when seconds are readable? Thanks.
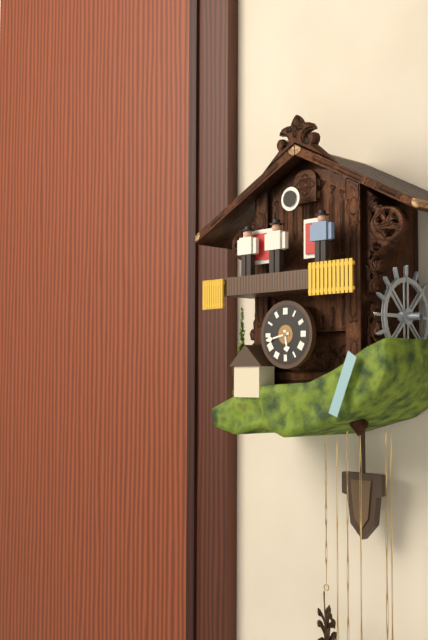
5.43
